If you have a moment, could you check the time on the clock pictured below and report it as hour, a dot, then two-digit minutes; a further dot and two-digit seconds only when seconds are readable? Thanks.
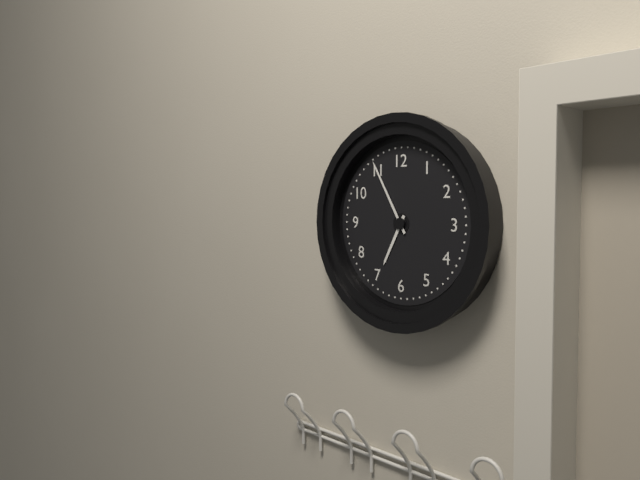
6.55
